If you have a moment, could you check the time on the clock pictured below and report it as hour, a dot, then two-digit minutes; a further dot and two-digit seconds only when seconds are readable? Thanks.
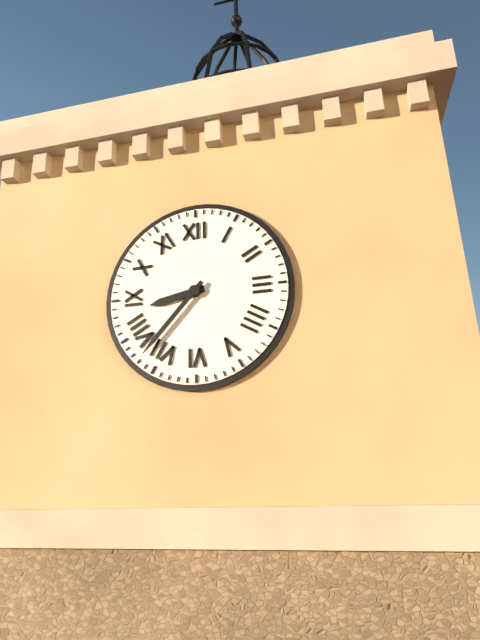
8.37
